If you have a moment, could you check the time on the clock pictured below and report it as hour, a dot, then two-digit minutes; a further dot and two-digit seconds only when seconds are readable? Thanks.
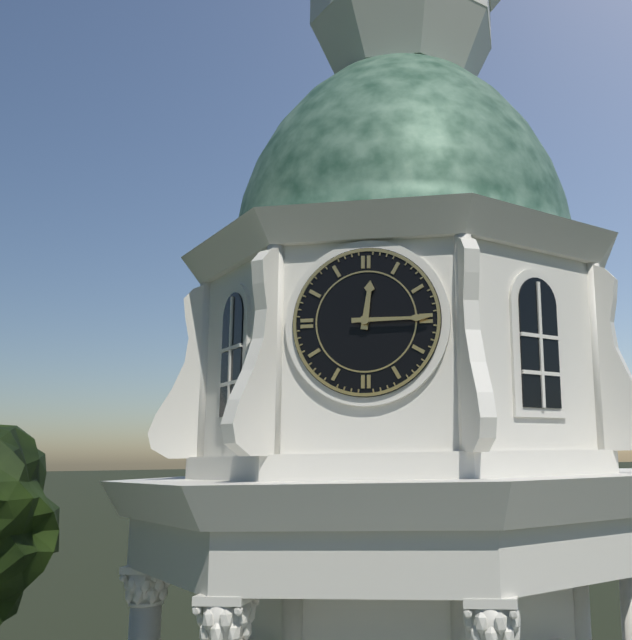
12.15
